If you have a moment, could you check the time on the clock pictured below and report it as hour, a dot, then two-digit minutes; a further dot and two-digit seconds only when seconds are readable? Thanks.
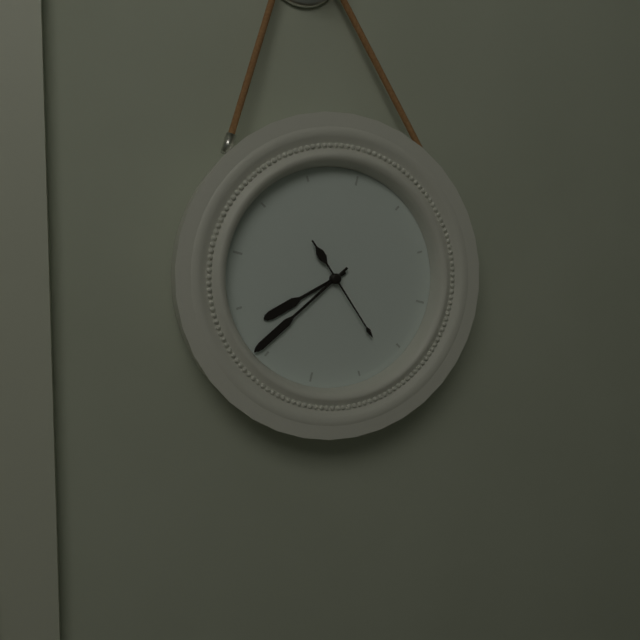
7.36.22
